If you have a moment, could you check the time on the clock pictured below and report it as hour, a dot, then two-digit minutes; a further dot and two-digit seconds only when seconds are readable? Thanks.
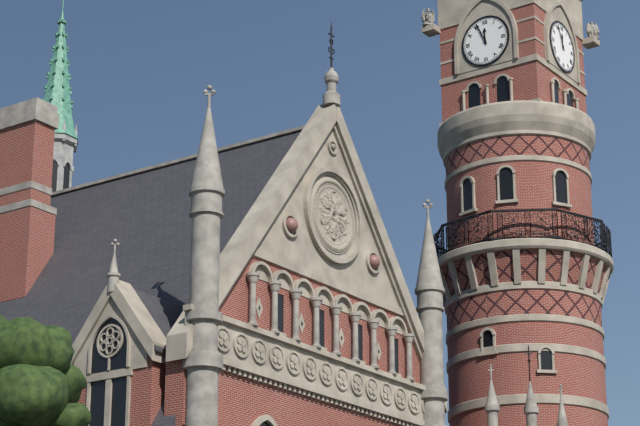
11.56
